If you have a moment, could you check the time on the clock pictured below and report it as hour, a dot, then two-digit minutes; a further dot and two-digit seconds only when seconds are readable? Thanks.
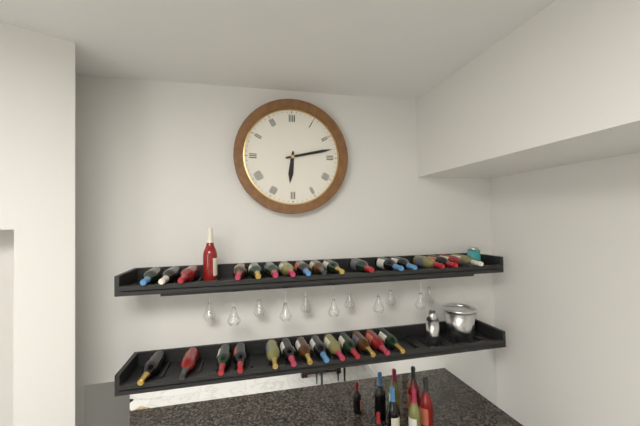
6.13
